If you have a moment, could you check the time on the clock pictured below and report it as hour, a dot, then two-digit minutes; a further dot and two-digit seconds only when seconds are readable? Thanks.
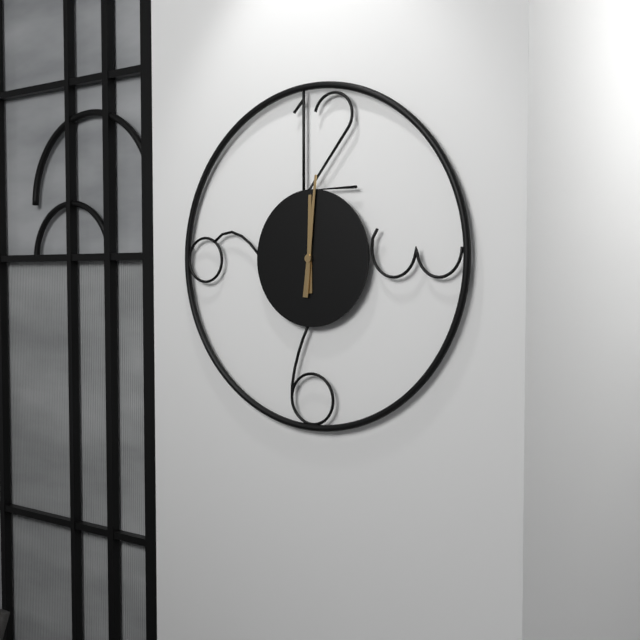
12.01
